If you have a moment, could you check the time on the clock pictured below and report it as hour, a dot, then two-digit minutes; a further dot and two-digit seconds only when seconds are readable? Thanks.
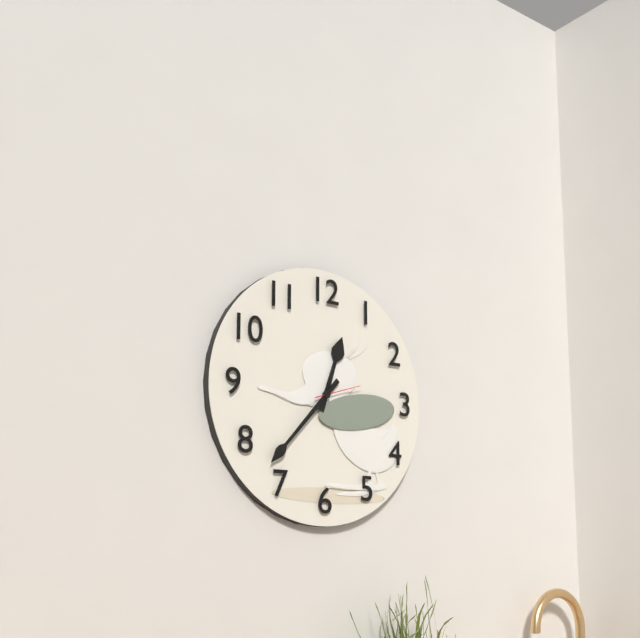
12.37
